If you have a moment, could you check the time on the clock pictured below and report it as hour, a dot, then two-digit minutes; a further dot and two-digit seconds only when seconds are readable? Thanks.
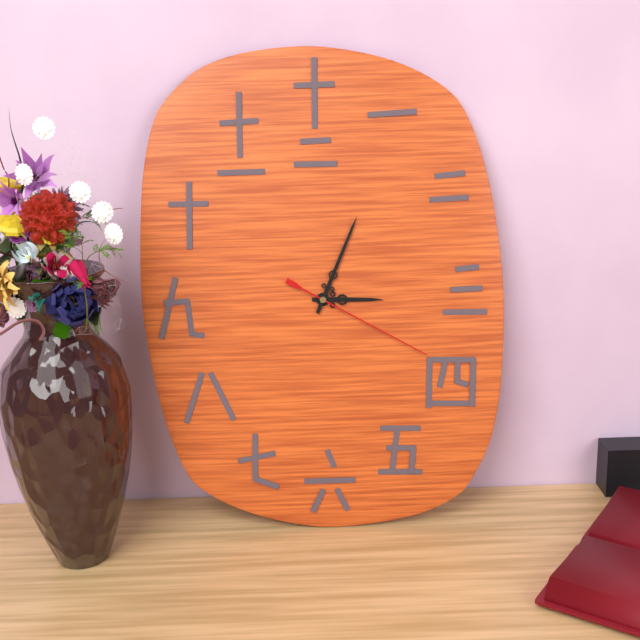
3.04.20
